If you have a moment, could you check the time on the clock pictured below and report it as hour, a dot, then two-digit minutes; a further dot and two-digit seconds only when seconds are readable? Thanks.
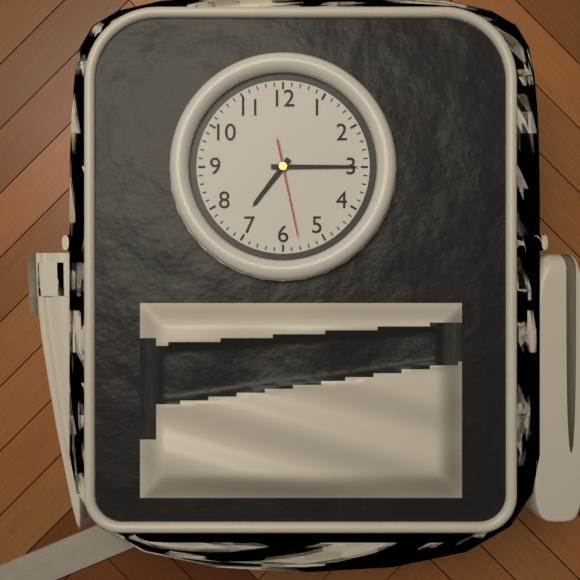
7.15.28
